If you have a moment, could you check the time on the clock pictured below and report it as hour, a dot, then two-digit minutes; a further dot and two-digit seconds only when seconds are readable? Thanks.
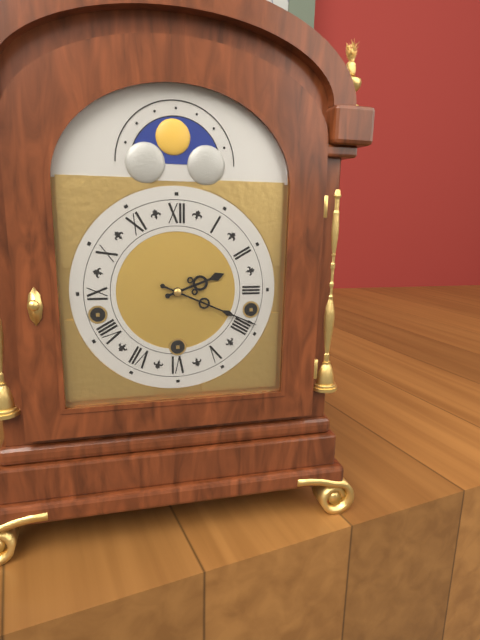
2.19
